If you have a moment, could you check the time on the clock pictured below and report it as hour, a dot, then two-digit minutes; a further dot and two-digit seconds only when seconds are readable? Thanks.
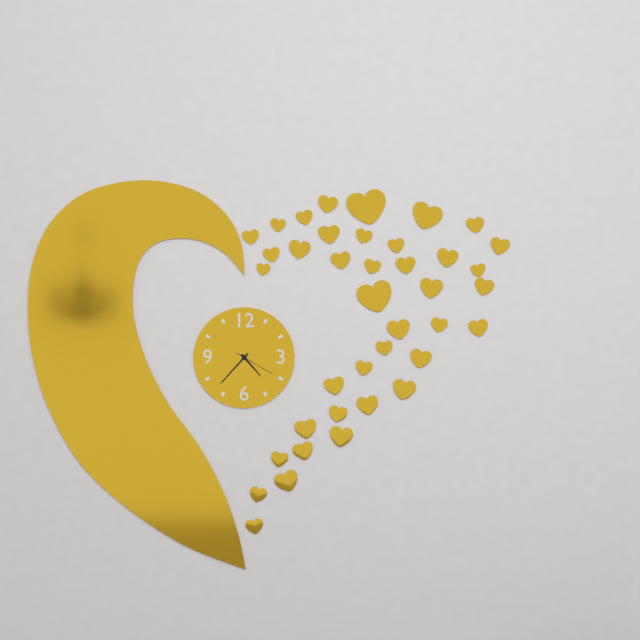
4.37
